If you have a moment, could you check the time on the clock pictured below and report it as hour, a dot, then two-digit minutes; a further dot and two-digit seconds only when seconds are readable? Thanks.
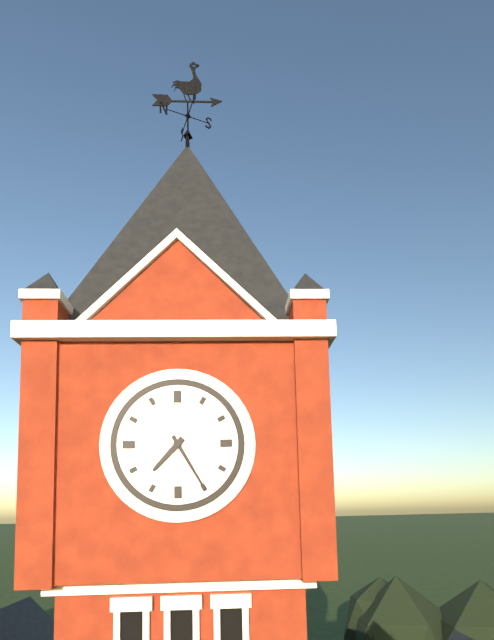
7.25
